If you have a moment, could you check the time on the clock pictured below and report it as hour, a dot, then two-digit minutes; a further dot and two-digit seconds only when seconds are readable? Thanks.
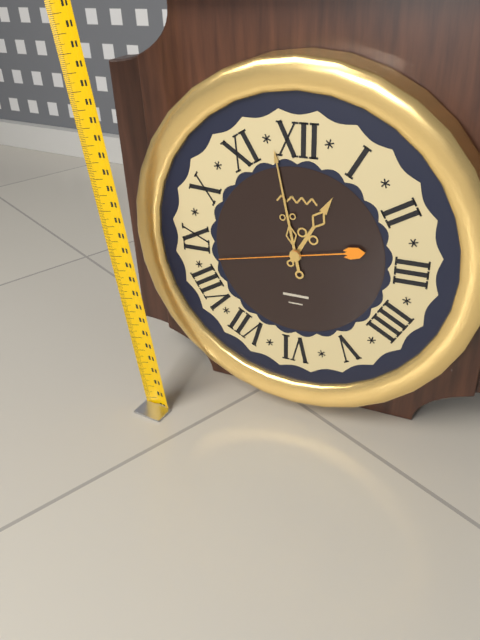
12.58.43
